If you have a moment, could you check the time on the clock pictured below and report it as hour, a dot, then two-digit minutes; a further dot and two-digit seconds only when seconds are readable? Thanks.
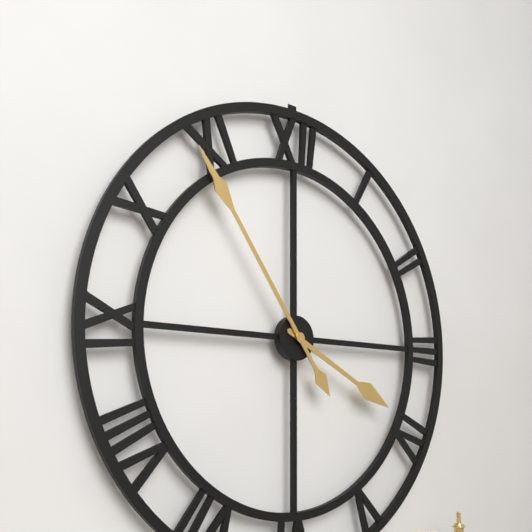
3.54
